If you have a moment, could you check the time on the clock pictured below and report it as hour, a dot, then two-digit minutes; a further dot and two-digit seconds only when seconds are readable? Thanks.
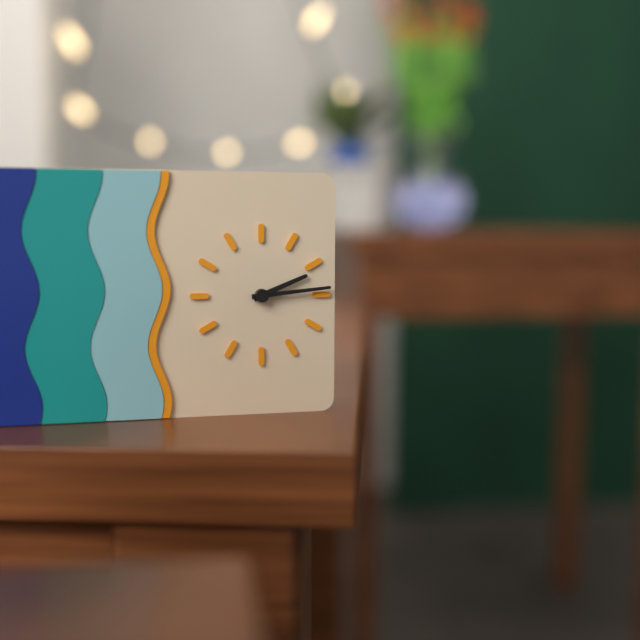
2.14
